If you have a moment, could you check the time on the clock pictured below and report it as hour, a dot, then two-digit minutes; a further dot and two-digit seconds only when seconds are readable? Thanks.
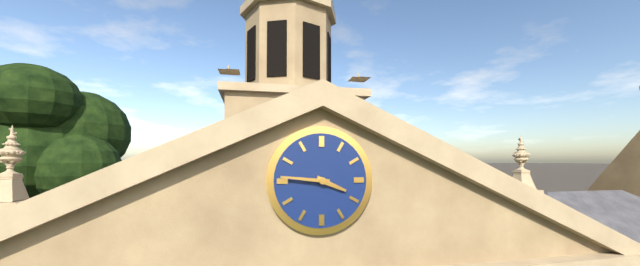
3.46
